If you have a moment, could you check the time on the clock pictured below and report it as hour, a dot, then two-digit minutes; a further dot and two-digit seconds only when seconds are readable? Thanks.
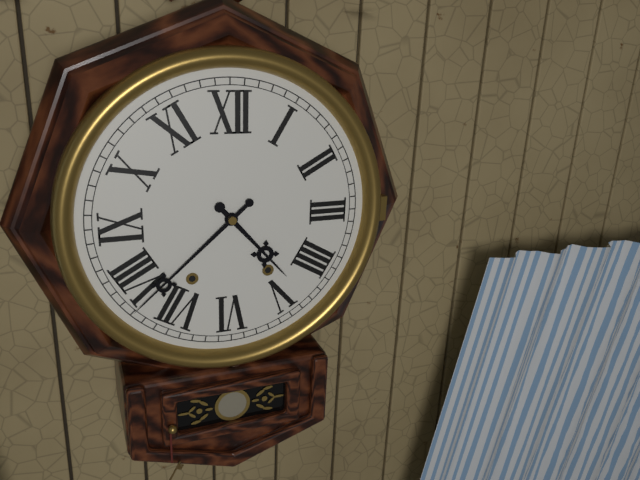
4.38
